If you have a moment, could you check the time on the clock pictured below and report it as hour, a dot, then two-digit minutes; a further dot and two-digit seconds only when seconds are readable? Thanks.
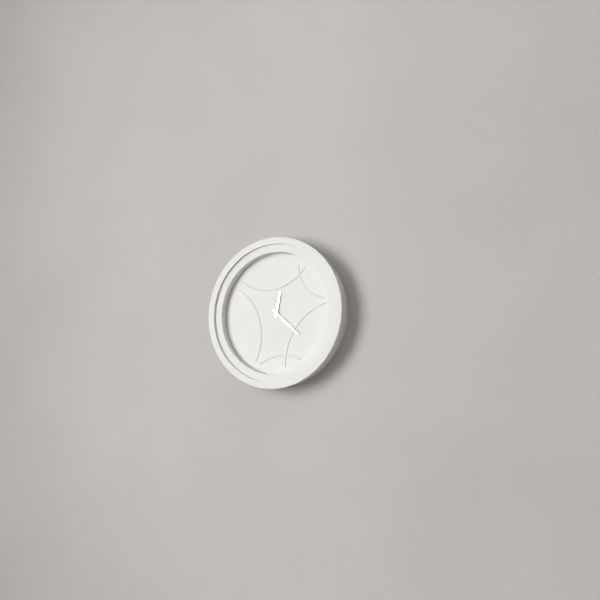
12.22
